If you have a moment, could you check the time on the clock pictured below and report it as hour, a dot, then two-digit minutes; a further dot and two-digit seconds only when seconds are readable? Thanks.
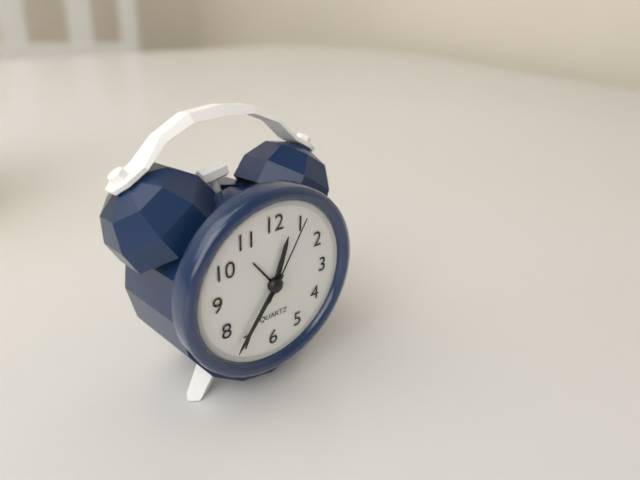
12.36.05
